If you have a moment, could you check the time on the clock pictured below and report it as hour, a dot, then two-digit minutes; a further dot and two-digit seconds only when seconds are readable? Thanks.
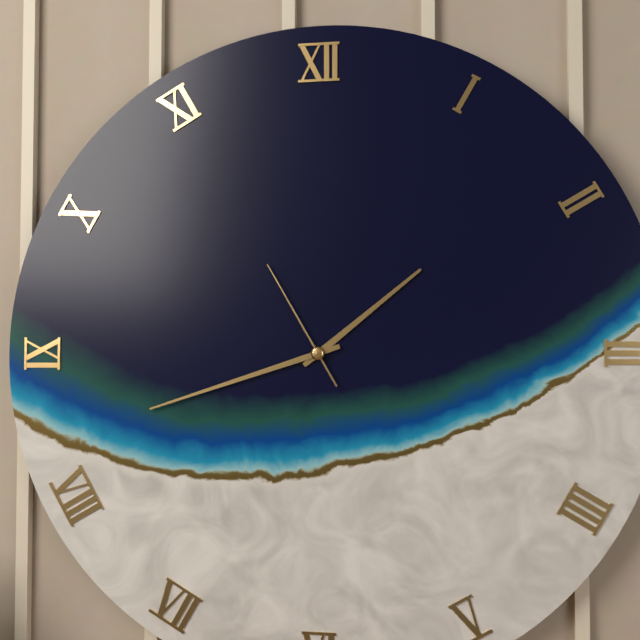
1.42.55
